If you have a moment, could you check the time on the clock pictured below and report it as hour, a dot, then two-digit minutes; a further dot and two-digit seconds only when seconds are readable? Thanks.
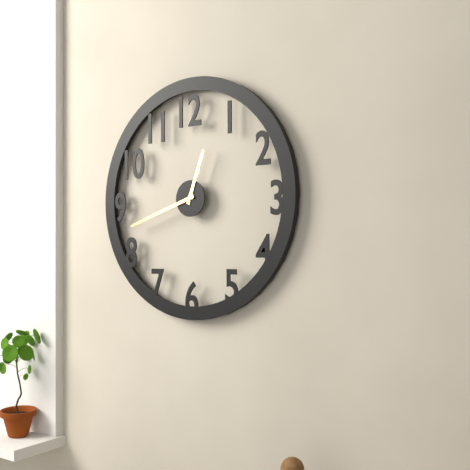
12.42
